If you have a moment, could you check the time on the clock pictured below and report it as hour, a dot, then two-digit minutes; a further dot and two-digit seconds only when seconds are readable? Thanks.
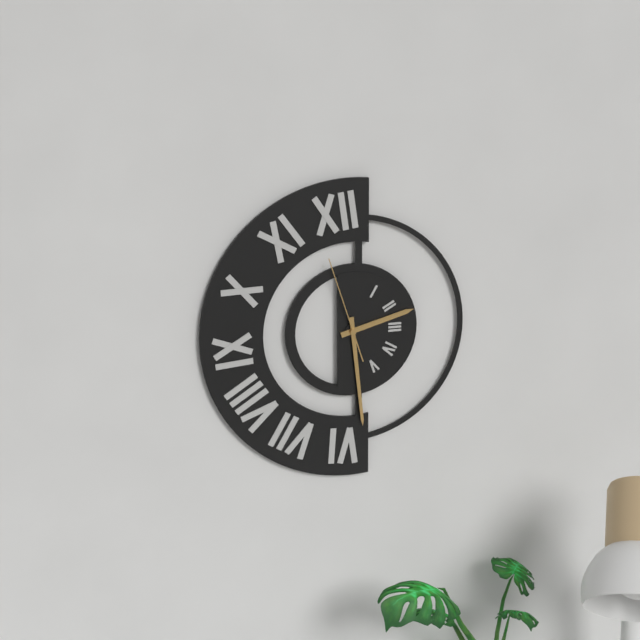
2.29.57
